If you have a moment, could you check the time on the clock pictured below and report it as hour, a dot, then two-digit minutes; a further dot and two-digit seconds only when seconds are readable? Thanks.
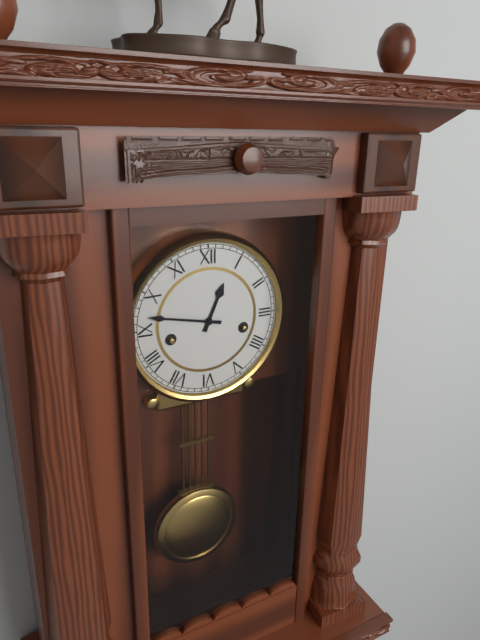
12.47
